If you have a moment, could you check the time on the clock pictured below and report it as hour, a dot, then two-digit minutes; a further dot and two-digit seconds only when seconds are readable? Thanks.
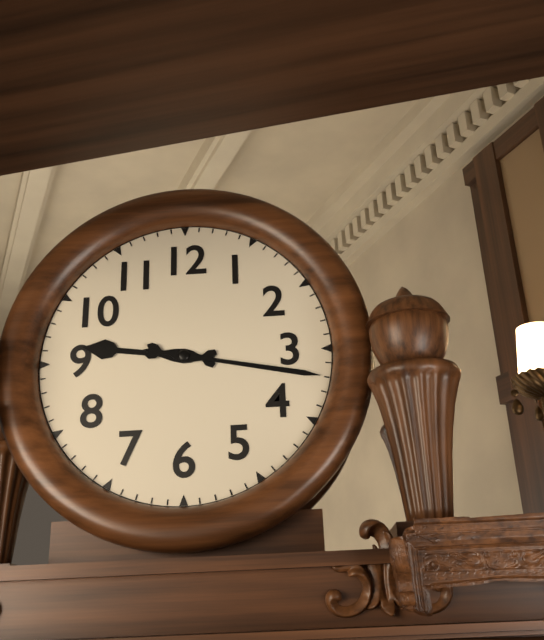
9.17
